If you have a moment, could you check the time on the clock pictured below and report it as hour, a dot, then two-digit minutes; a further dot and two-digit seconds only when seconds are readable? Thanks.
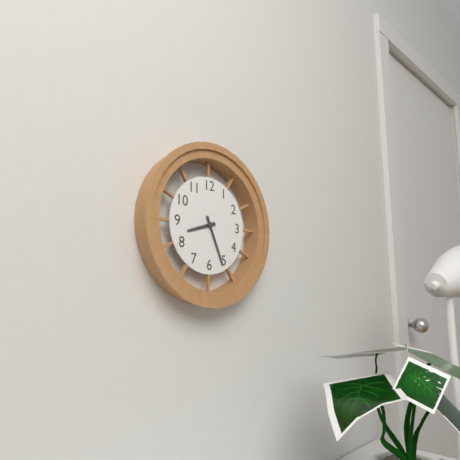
8.26
